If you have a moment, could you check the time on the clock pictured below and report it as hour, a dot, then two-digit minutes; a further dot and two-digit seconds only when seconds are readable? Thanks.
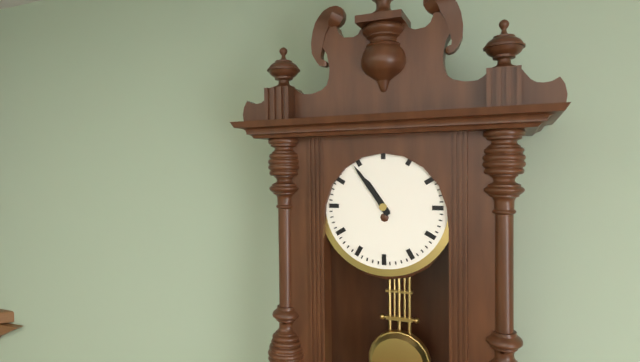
10.54
